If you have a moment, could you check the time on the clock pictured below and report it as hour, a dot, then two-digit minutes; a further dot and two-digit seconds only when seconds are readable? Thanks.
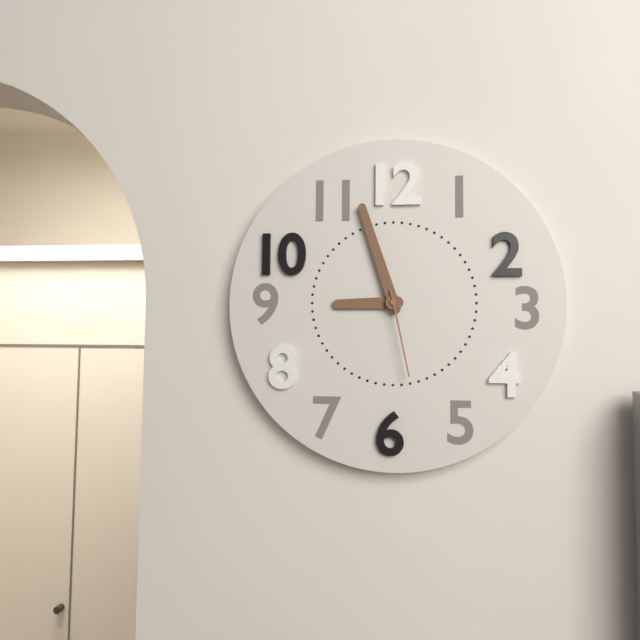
8.57.28
